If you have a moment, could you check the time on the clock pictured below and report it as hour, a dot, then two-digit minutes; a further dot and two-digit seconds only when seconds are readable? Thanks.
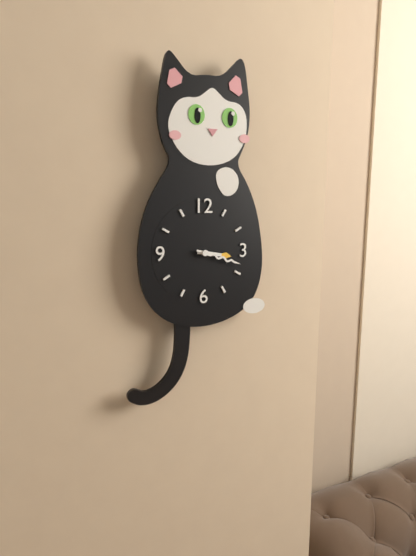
3.18
